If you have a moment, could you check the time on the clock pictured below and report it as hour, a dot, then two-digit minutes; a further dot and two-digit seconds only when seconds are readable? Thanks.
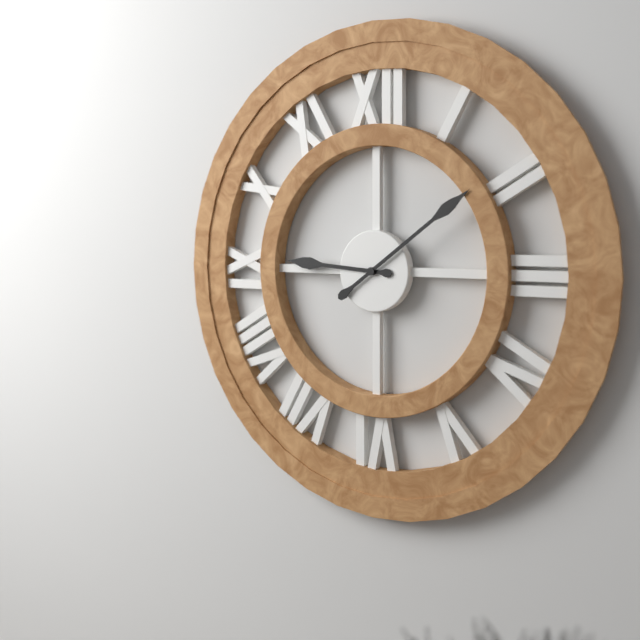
9.09
